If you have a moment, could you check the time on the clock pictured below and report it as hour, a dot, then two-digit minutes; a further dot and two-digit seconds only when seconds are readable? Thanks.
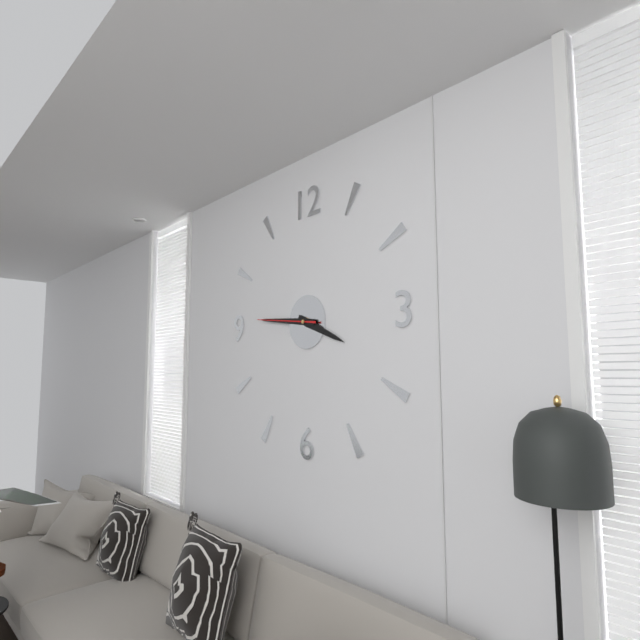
3.46.46
